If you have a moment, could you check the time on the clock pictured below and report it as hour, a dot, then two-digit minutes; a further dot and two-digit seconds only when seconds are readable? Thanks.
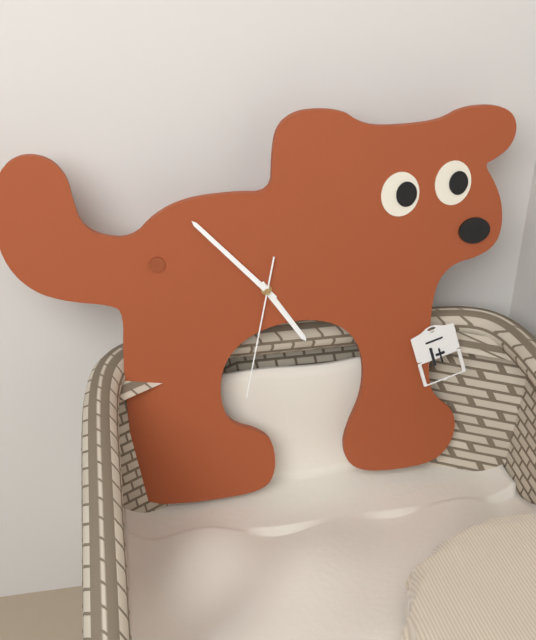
4.53.32
